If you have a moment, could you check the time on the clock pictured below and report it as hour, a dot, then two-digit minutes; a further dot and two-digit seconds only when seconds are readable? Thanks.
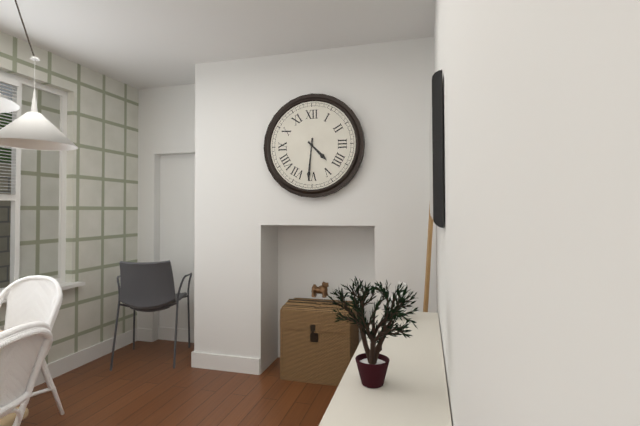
4.31
